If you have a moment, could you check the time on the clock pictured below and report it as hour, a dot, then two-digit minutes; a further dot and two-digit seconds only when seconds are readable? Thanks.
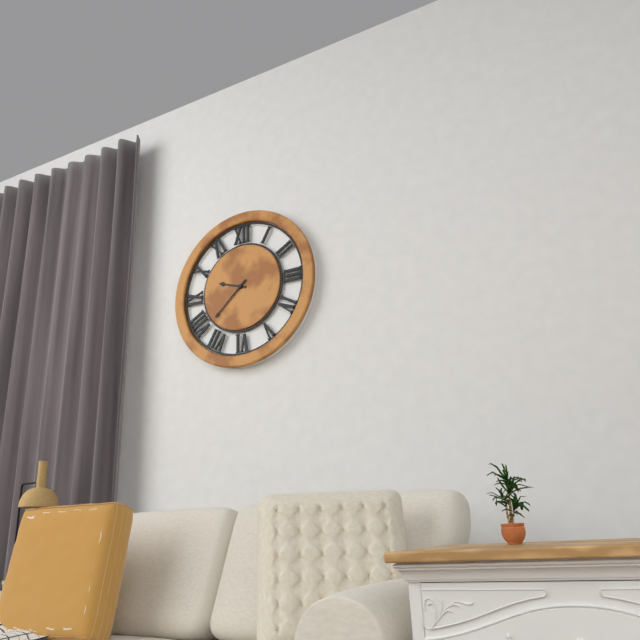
9.38
